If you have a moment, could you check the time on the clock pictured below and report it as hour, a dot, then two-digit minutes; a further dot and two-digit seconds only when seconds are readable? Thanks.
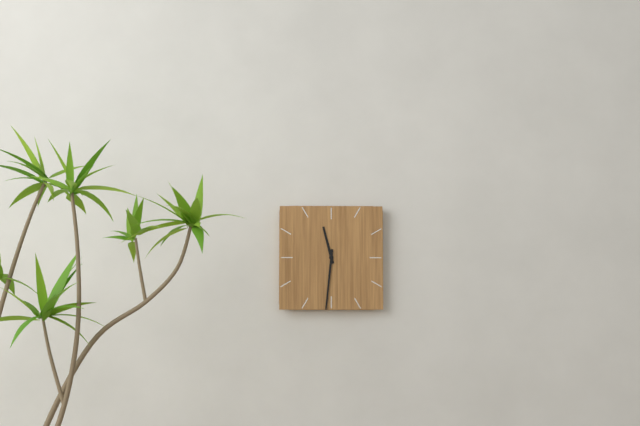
11.31
